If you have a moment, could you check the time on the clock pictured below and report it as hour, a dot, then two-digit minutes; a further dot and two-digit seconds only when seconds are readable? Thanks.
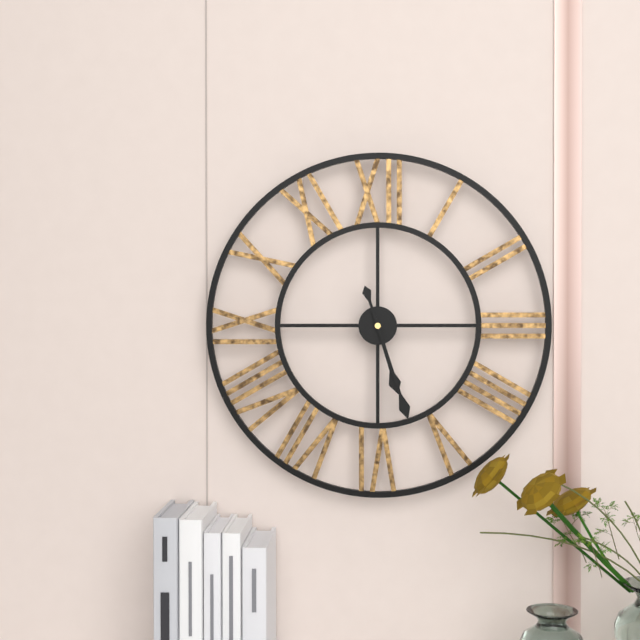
5.27
